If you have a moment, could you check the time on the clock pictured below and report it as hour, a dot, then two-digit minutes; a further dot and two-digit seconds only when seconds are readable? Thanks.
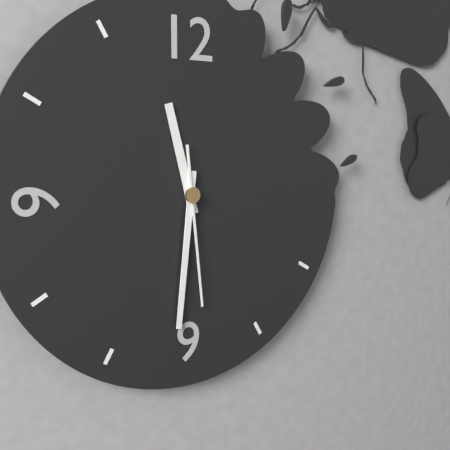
11.31.29
